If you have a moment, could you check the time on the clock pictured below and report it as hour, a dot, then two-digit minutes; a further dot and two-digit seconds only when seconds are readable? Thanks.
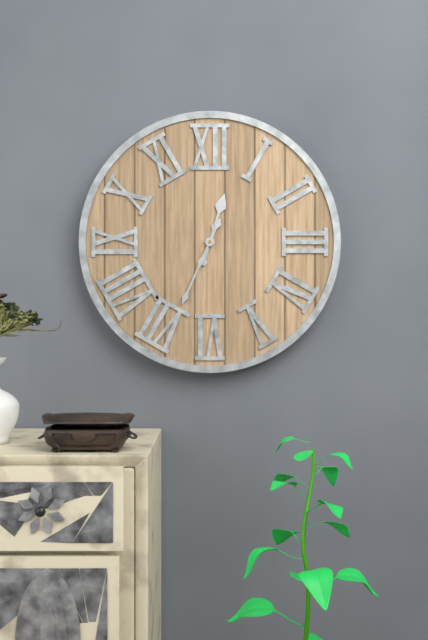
12.34
